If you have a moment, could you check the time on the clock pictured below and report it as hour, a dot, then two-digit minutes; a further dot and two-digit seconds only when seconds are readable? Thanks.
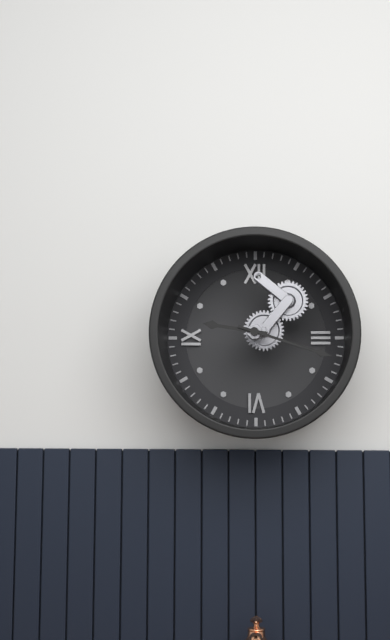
9.18
